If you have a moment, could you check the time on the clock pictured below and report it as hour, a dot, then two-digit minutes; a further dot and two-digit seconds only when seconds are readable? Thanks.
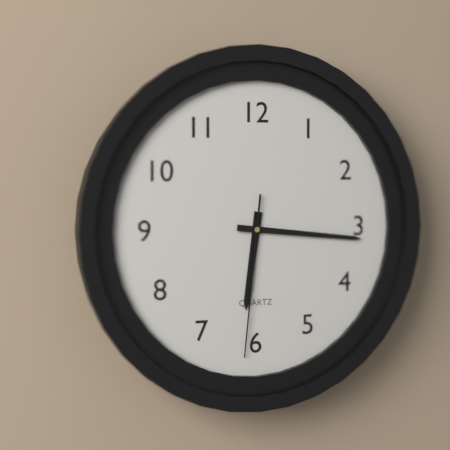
6.16.31
